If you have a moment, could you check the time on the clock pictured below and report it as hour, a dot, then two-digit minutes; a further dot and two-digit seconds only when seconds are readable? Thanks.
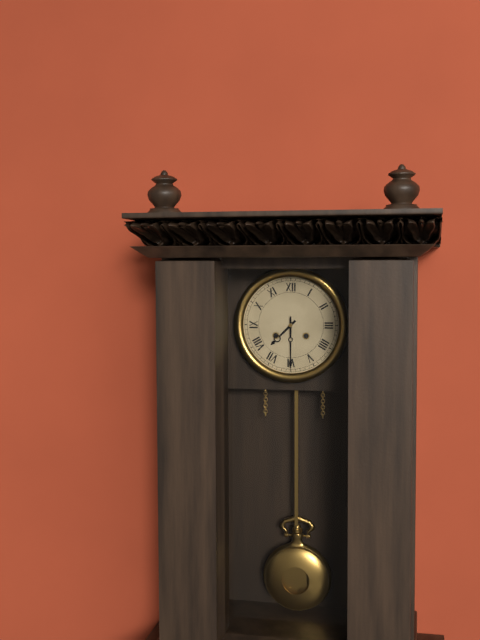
7.30
